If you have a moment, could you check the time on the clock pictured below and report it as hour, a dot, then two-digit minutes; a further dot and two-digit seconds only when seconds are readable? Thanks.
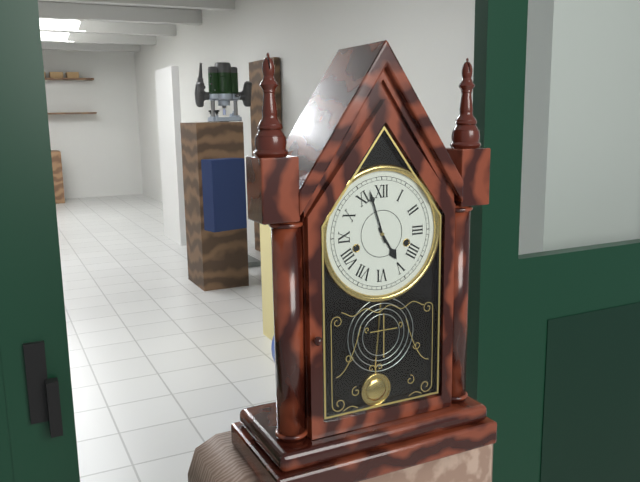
4.57
